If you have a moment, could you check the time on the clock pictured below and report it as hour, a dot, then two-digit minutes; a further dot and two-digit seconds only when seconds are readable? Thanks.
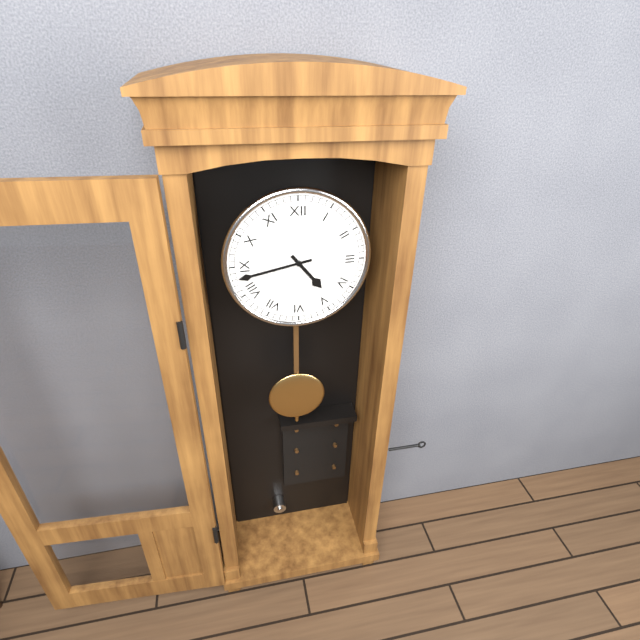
4.43
